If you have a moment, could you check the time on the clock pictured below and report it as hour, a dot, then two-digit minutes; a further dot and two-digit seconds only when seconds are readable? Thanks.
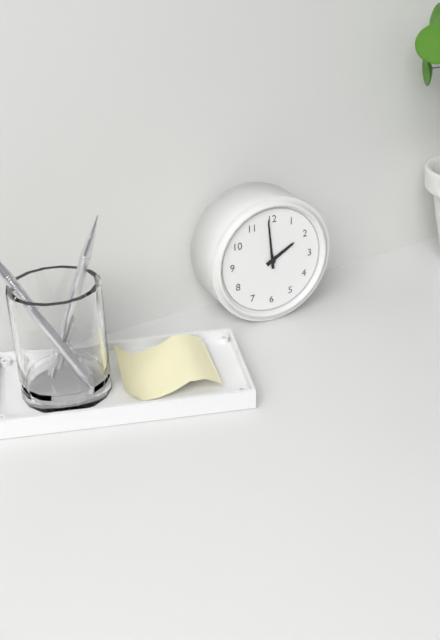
1.59
